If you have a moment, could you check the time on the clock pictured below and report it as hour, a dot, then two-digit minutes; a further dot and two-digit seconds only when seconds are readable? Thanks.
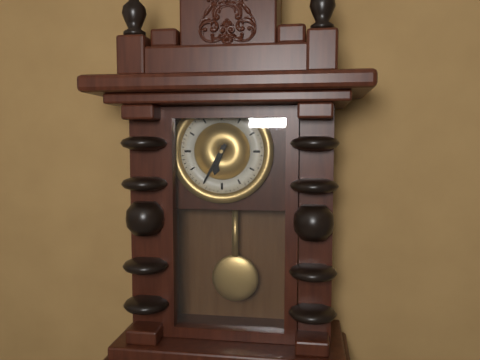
6.35
